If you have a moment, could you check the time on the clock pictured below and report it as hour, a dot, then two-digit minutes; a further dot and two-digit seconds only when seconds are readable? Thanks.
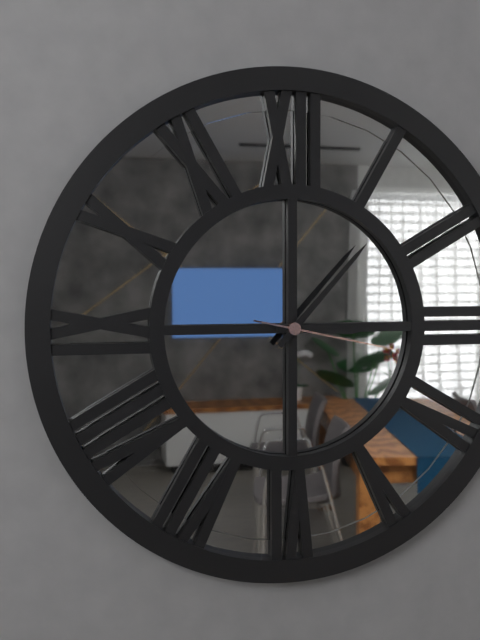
3.07.17
